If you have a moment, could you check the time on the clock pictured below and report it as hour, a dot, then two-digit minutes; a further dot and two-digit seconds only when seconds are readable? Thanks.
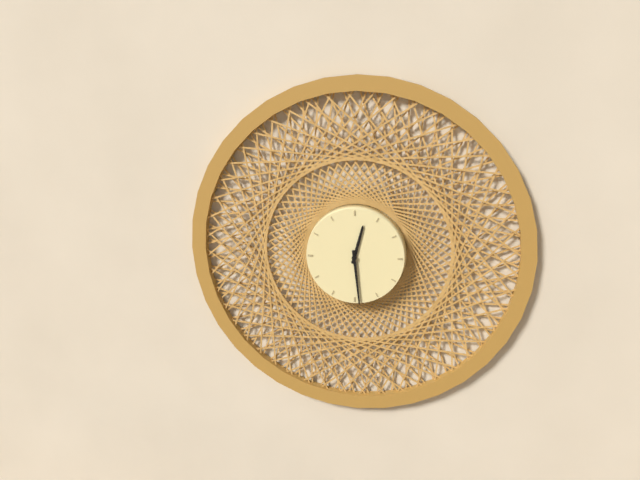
12.29
